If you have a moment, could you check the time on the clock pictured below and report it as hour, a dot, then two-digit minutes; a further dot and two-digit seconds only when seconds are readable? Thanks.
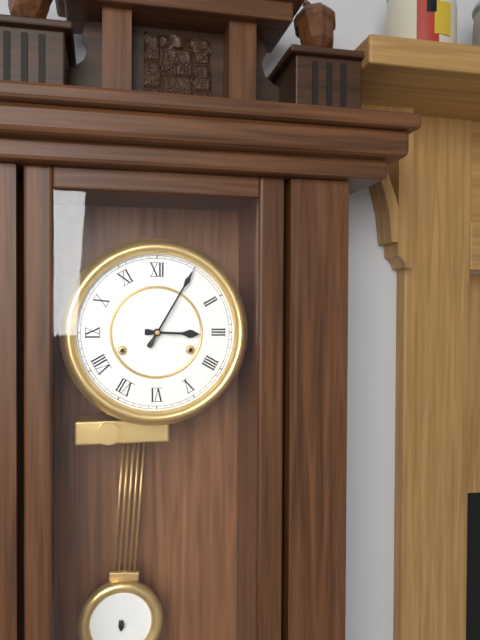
3.05
